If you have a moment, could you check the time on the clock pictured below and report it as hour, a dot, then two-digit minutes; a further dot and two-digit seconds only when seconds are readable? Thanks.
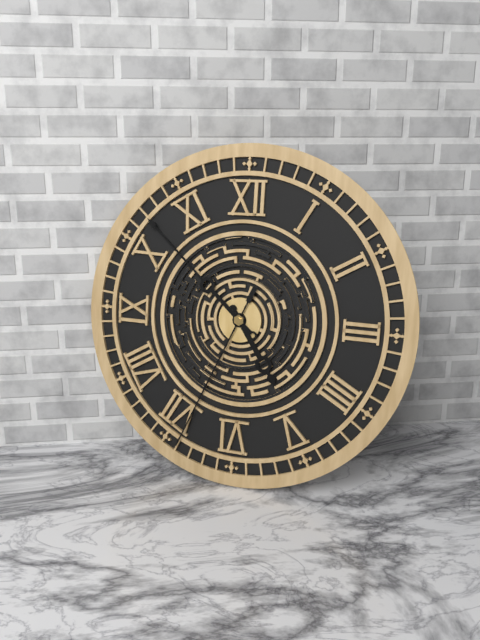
4.52.34
